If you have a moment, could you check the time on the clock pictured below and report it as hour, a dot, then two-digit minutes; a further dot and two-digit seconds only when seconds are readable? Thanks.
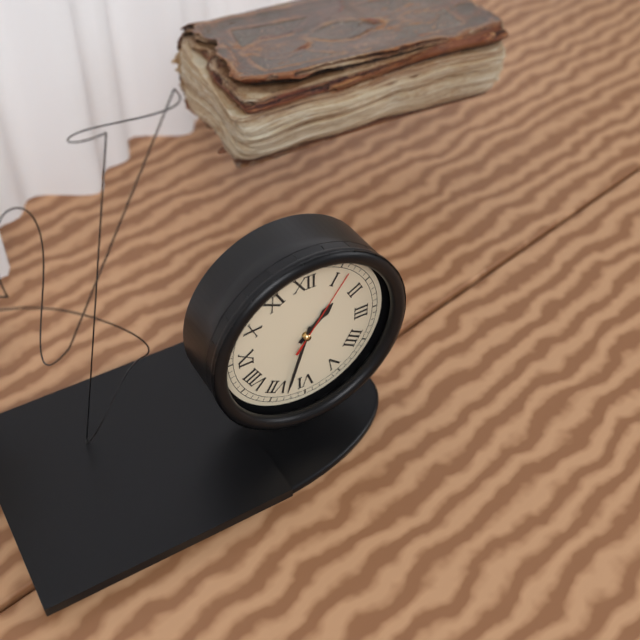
1.33.06
